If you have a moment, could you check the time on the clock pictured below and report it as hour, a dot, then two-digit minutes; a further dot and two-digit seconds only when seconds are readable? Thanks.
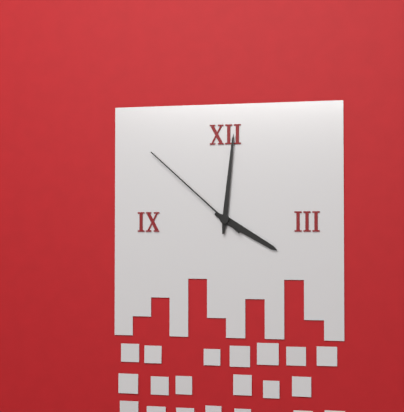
4.01.52
